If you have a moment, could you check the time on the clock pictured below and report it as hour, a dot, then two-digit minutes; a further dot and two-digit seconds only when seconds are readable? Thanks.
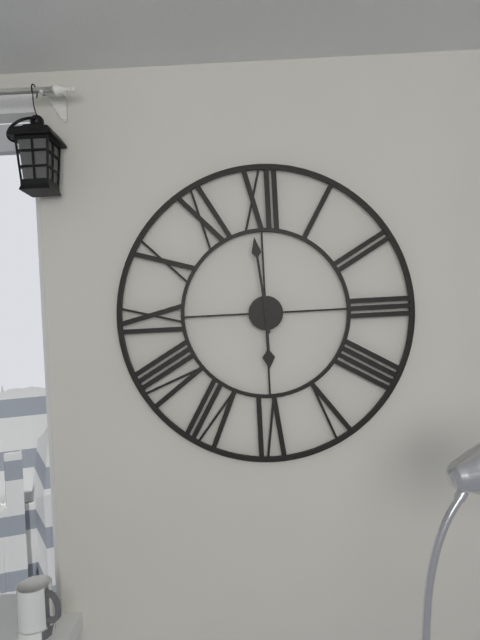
5.59
